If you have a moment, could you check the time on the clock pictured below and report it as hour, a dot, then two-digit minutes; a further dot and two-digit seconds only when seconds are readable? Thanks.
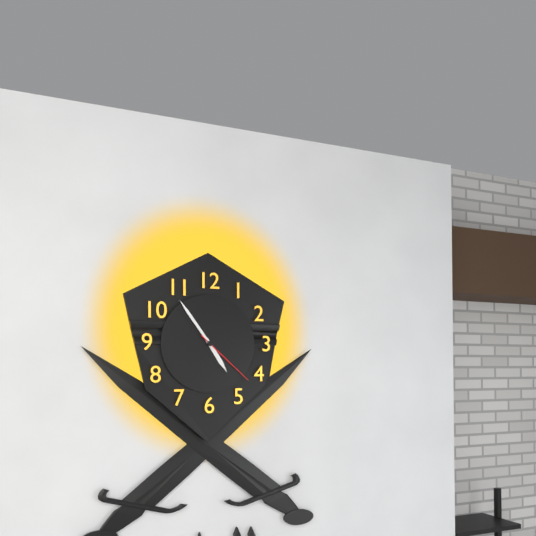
4.54.22
